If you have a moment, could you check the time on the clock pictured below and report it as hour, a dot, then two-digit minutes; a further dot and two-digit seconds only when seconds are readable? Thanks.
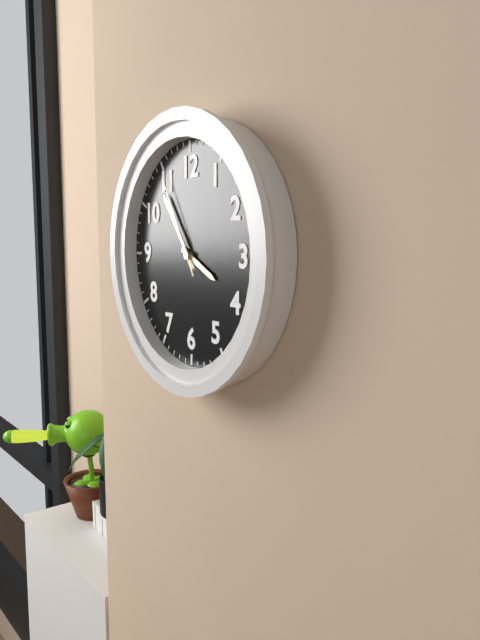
3.54.55
